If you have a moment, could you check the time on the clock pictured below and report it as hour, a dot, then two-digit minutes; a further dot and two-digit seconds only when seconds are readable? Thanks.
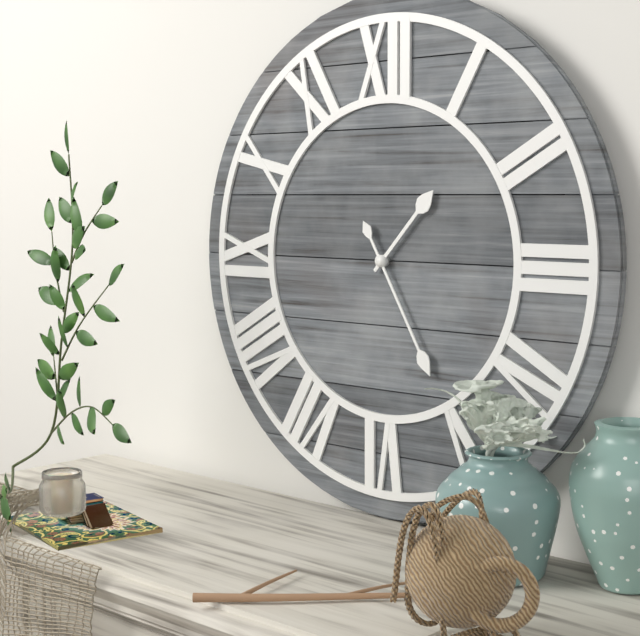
1.25
